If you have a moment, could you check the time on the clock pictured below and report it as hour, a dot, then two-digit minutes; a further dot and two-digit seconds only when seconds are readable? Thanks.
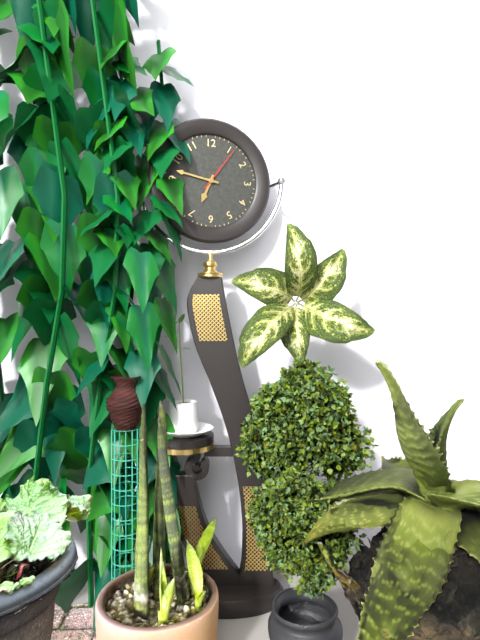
6.47
